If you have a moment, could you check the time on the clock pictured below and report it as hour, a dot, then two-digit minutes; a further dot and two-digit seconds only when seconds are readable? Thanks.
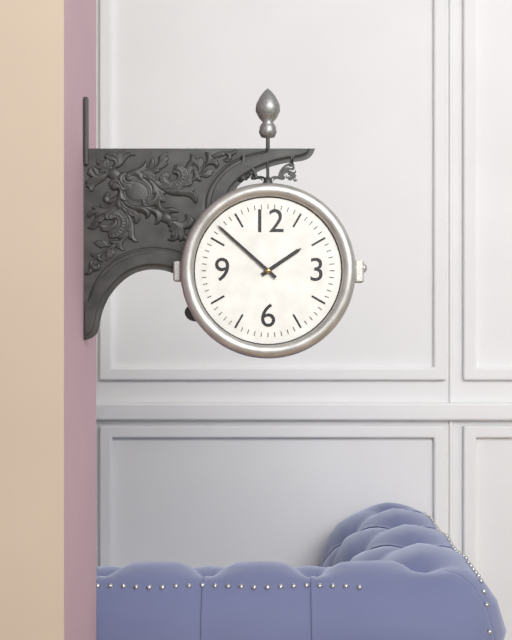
1.52
